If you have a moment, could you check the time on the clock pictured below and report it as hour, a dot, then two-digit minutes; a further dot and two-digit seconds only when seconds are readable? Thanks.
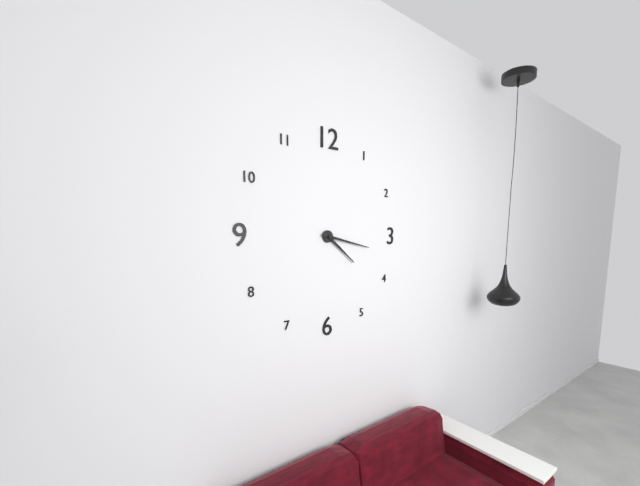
4.17
